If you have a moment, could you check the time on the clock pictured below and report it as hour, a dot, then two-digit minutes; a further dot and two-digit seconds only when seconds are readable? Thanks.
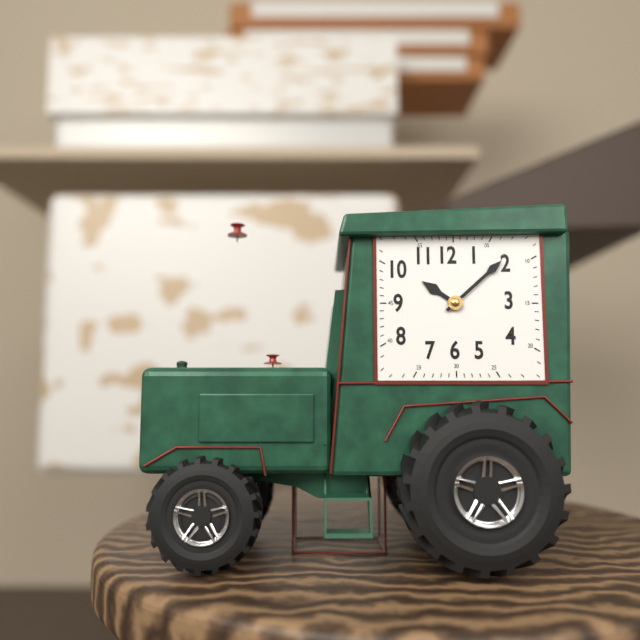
10.08
